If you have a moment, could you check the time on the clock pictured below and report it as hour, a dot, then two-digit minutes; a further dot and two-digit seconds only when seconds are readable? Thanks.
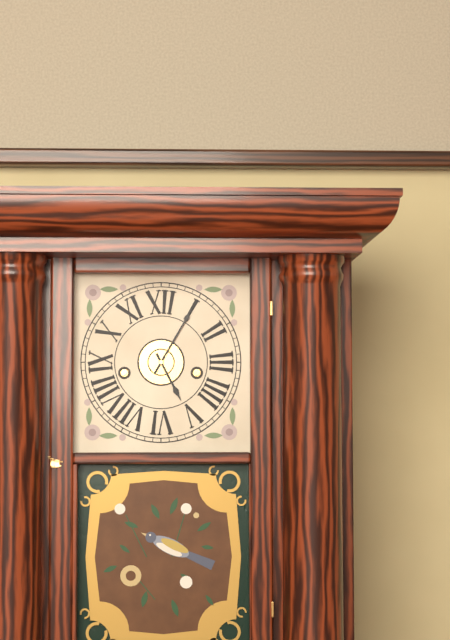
5.05
